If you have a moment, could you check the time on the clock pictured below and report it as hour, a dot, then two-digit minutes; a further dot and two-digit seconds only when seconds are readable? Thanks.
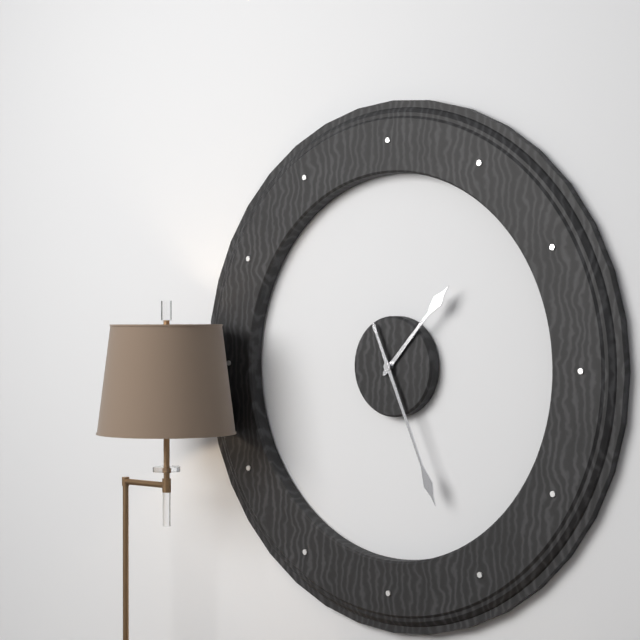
1.26
